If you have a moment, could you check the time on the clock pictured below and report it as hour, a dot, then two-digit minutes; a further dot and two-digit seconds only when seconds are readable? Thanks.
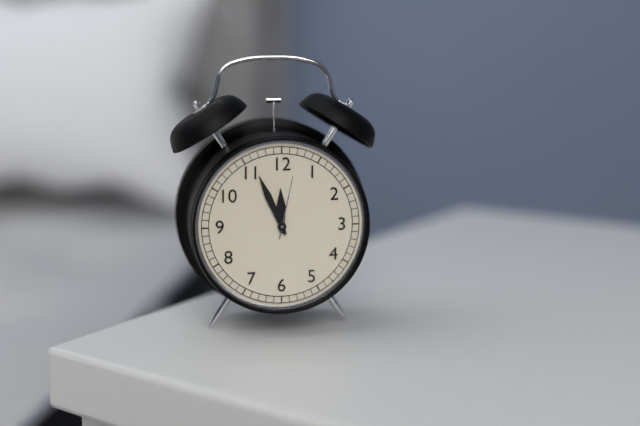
11.56.02
